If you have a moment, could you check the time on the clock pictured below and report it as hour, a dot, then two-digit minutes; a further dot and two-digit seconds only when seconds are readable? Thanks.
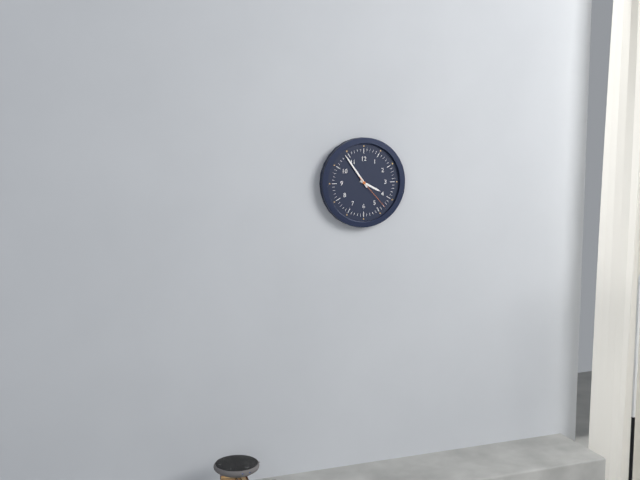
3.54
